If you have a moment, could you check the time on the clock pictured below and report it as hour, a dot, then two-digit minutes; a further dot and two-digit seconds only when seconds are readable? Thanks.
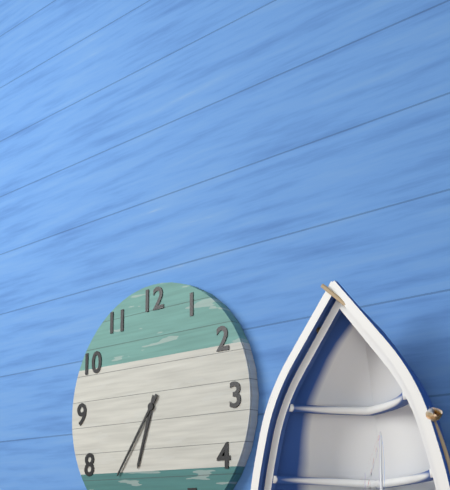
6.36
